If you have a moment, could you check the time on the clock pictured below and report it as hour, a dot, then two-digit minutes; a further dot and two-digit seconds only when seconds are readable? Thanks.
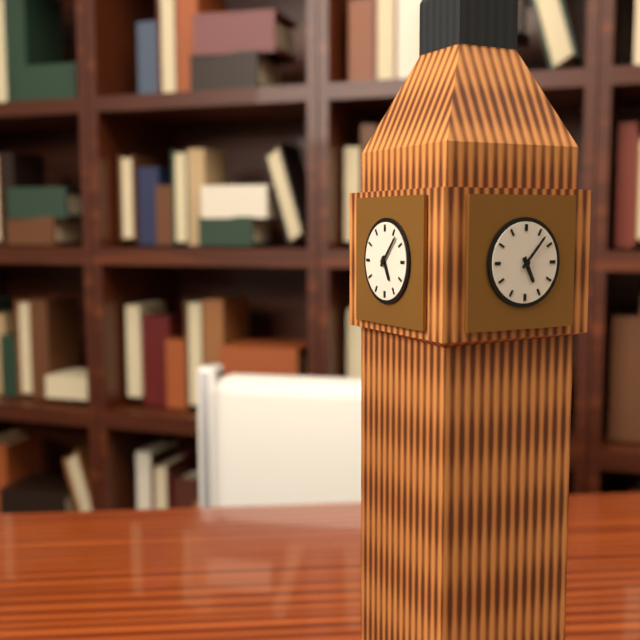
5.07
